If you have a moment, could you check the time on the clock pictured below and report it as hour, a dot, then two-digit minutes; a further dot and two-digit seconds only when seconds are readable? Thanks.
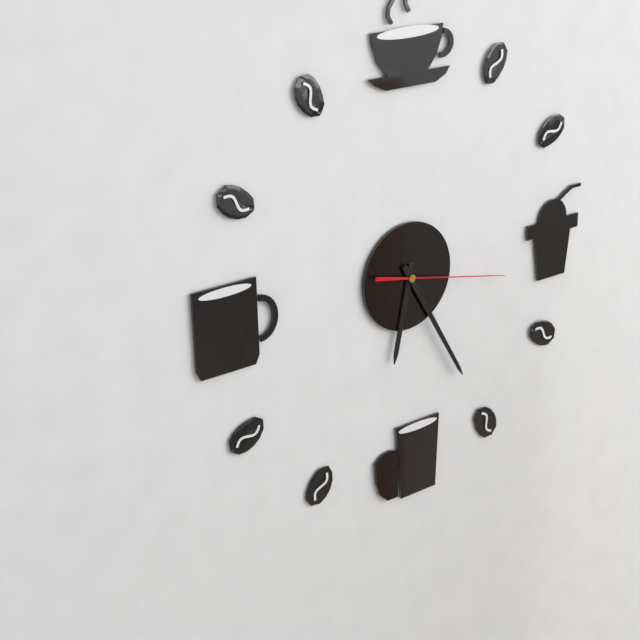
6.25.17
